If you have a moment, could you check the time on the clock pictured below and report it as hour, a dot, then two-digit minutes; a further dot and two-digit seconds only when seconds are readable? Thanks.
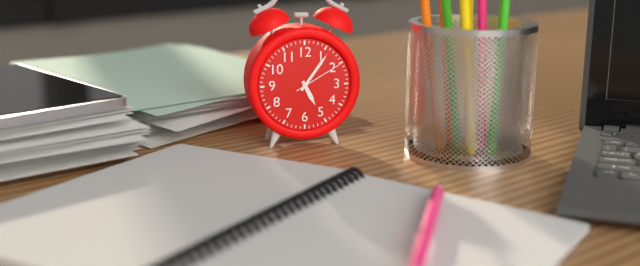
5.06.10
